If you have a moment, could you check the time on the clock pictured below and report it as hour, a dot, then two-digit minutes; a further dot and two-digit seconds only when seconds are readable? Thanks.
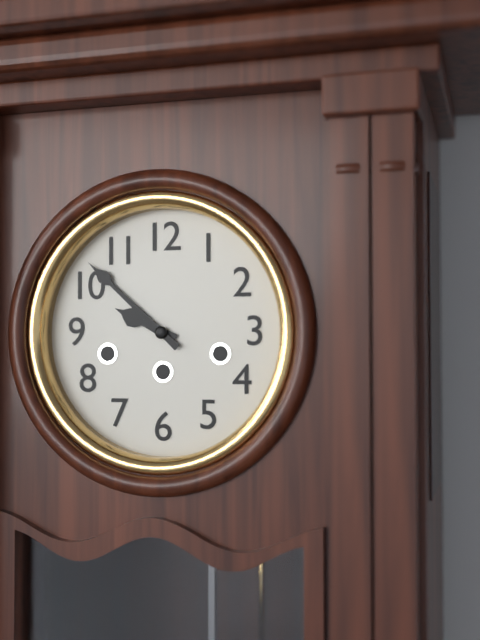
9.52
